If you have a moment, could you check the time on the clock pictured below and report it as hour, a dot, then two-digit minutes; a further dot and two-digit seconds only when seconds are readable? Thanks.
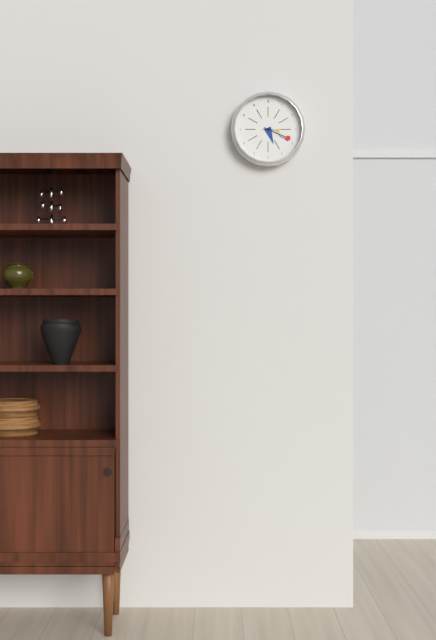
5.19
